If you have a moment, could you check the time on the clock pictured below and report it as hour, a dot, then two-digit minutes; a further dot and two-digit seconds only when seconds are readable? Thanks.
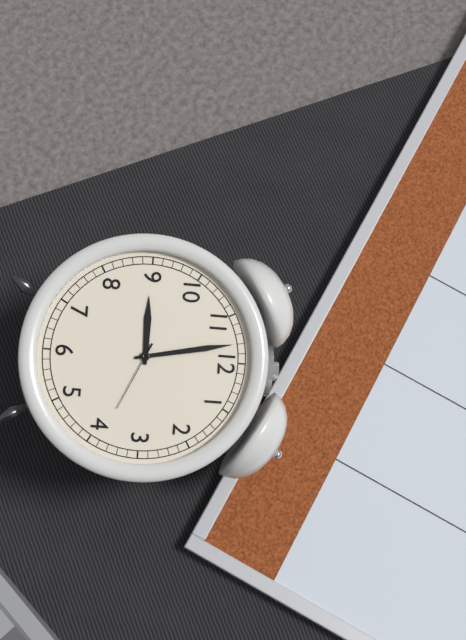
8.58.19
